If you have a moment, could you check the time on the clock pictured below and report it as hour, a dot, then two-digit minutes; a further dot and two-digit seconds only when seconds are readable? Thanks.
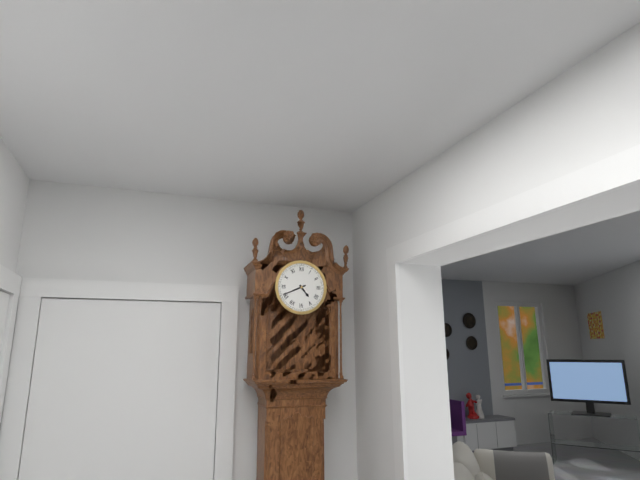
4.41
